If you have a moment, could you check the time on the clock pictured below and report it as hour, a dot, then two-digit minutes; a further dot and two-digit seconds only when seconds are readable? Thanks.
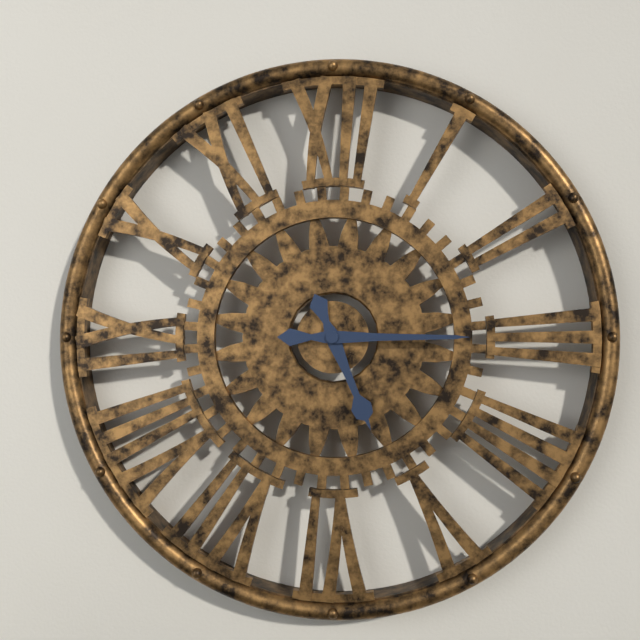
5.15
